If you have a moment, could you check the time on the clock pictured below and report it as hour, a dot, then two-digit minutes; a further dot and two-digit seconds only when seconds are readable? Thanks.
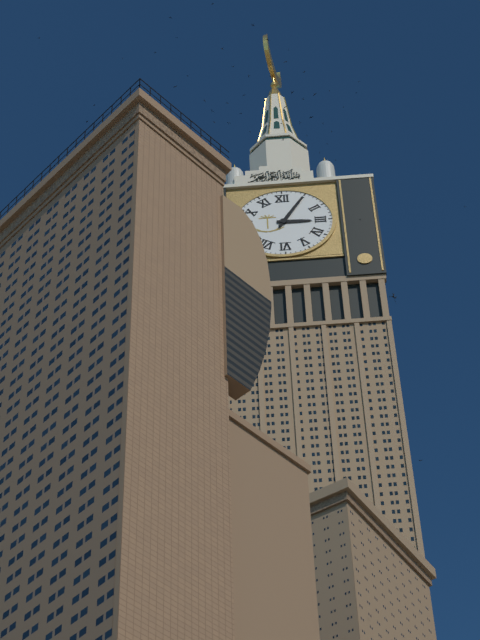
3.05
